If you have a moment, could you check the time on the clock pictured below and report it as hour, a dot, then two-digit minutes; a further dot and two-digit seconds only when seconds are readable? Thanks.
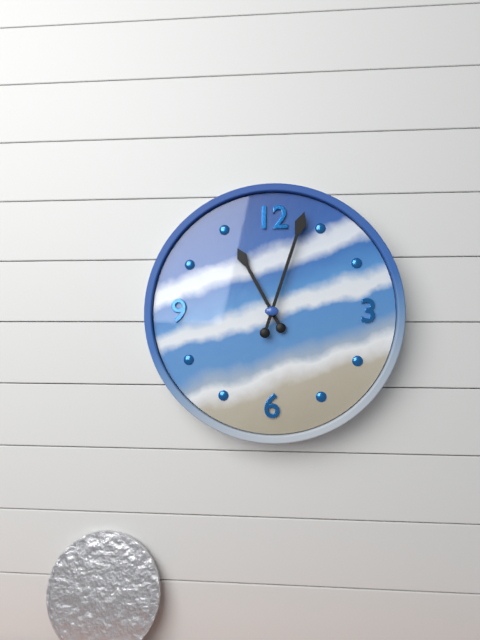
11.03
